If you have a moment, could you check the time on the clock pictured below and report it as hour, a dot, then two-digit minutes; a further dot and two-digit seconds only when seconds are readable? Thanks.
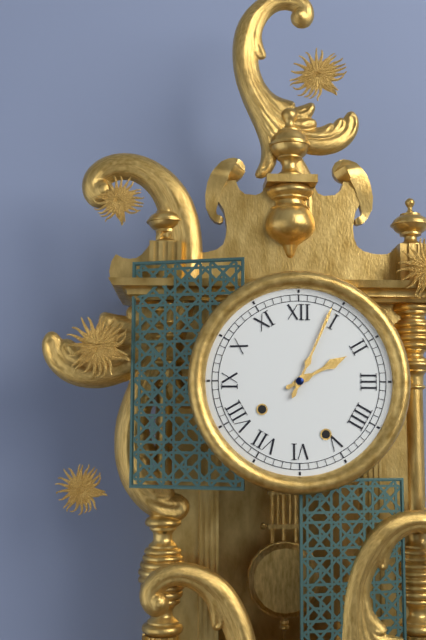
2.04
